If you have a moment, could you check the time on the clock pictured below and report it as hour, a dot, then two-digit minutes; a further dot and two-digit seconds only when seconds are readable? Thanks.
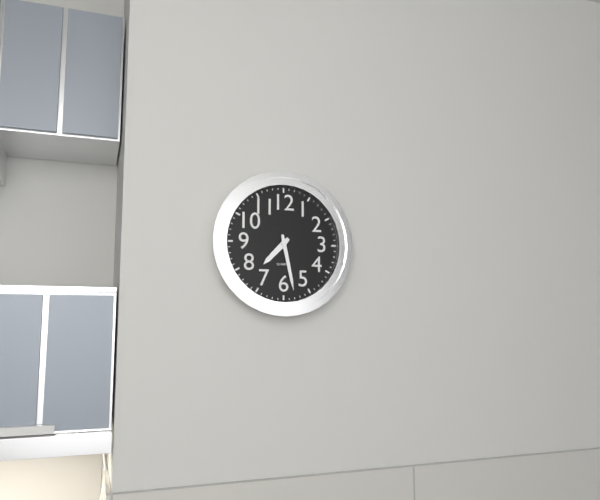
7.28
